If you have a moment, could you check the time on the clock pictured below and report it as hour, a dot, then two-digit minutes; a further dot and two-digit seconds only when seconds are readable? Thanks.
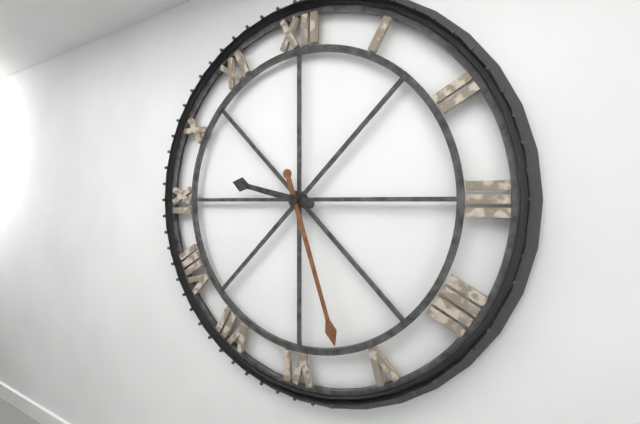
9.27
